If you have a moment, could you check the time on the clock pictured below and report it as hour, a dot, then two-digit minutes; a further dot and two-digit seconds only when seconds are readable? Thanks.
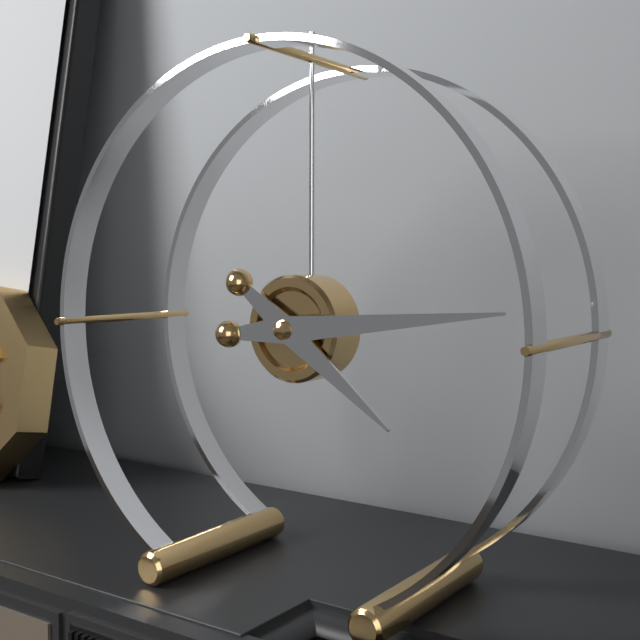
4.14
